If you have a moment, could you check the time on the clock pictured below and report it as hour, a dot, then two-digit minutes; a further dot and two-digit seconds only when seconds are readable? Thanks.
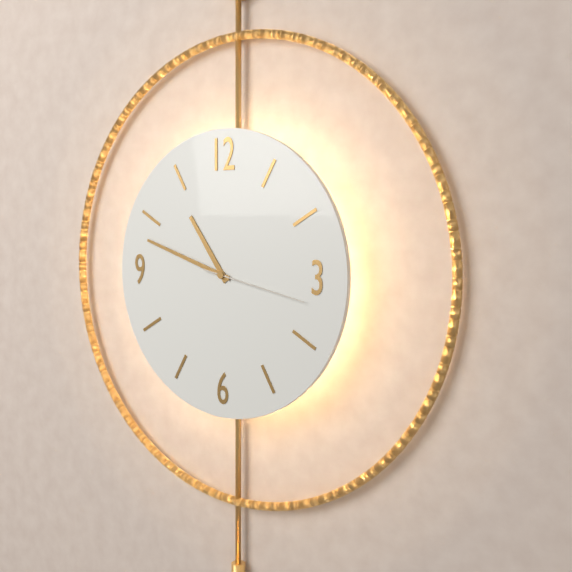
10.48.17
